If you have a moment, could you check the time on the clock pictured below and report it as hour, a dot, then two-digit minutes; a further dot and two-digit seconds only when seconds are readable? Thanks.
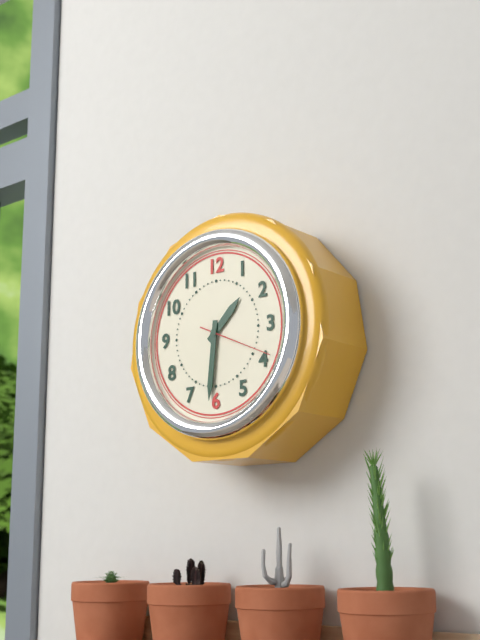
1.31.19
